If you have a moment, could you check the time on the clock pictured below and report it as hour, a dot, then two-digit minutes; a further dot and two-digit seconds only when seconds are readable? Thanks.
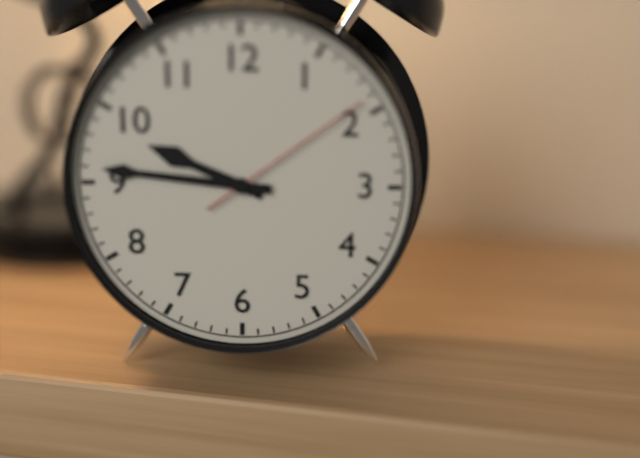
9.46.09
